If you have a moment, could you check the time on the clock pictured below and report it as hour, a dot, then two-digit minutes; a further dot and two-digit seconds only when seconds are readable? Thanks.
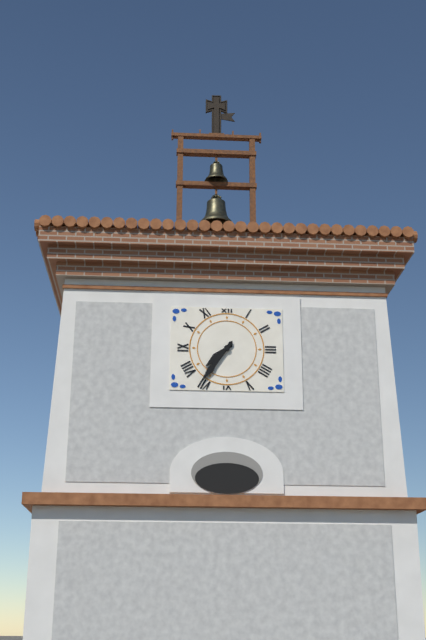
7.36
